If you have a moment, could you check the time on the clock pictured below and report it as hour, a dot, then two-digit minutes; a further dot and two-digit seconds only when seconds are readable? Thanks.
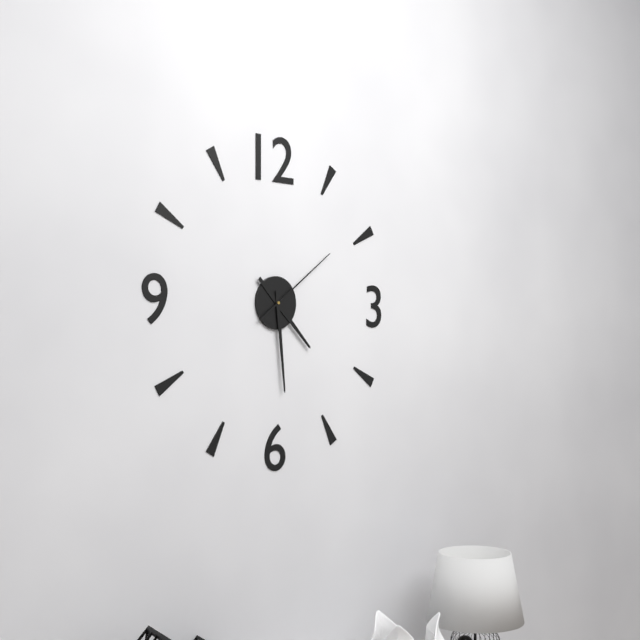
4.29.09
